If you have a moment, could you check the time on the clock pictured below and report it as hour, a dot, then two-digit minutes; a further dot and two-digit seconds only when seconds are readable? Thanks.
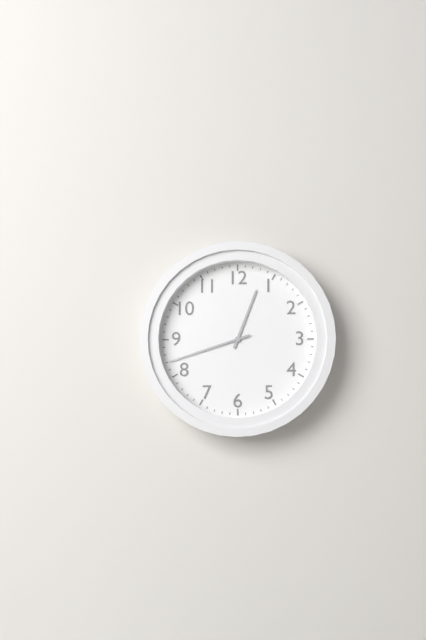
12.42
